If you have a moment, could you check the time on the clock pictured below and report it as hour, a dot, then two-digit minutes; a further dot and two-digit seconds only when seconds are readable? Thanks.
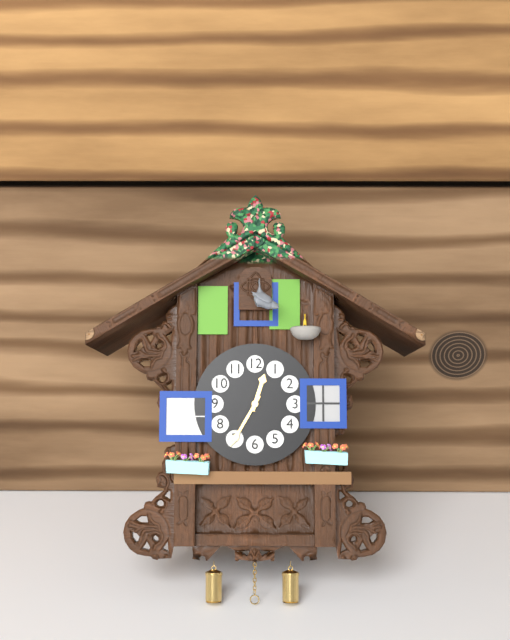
12.35
